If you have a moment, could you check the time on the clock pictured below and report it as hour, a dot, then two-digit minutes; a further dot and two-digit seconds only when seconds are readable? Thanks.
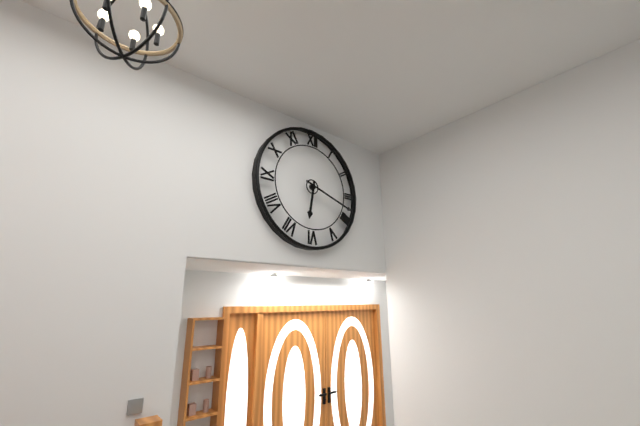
6.18
